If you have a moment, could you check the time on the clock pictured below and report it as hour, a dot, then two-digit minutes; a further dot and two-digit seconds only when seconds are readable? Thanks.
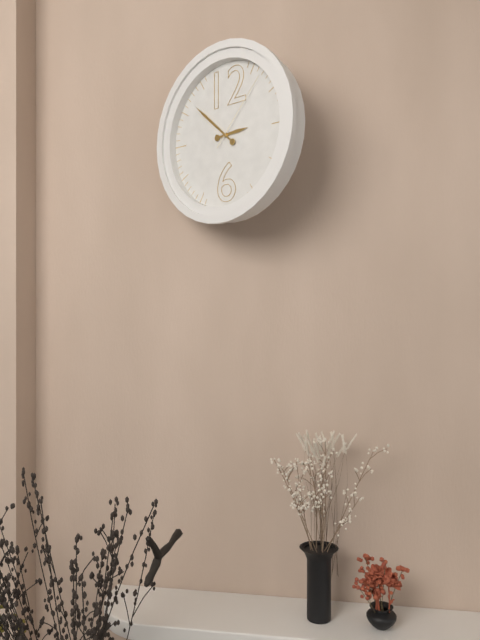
2.52.07
